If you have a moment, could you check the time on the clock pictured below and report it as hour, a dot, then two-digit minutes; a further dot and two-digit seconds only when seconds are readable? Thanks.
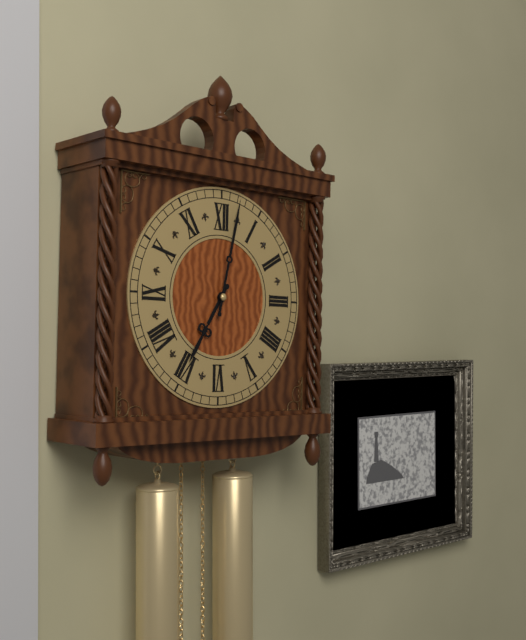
7.02
